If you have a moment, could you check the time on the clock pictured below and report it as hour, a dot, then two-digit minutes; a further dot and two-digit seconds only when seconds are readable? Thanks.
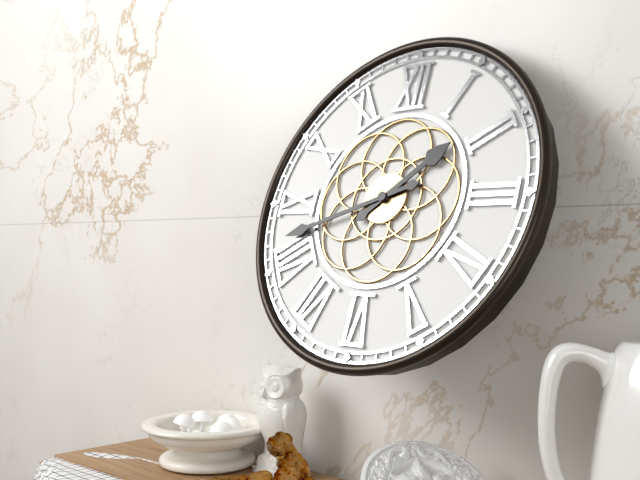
1.42
